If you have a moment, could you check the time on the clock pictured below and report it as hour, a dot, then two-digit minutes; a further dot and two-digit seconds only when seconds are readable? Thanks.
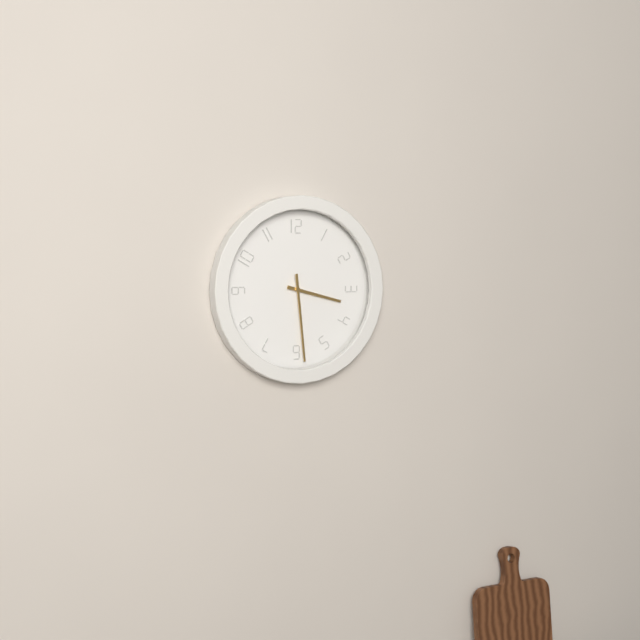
3.29
